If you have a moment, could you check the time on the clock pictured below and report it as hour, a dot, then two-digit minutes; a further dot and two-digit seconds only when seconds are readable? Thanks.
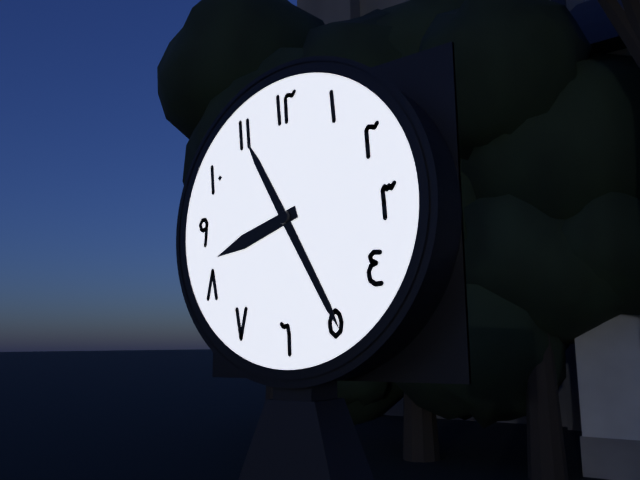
8.25
